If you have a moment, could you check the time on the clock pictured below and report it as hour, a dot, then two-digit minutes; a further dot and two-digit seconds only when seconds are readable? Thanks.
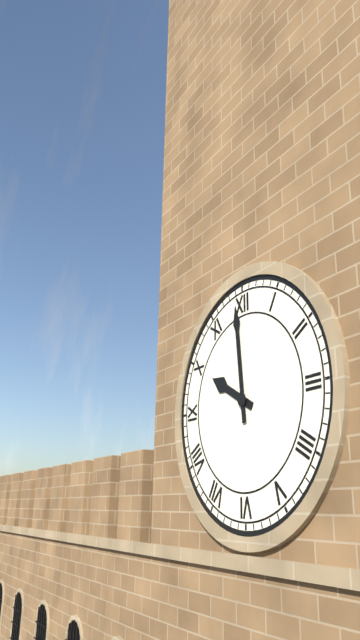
9.59
